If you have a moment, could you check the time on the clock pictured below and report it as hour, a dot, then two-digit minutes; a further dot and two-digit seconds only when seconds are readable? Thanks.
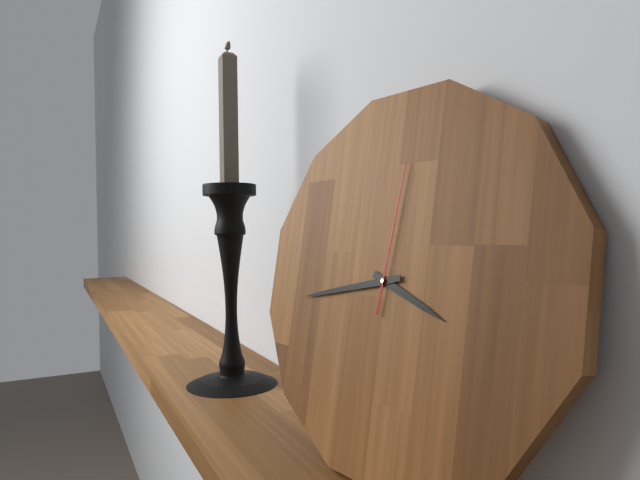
3.43.01
